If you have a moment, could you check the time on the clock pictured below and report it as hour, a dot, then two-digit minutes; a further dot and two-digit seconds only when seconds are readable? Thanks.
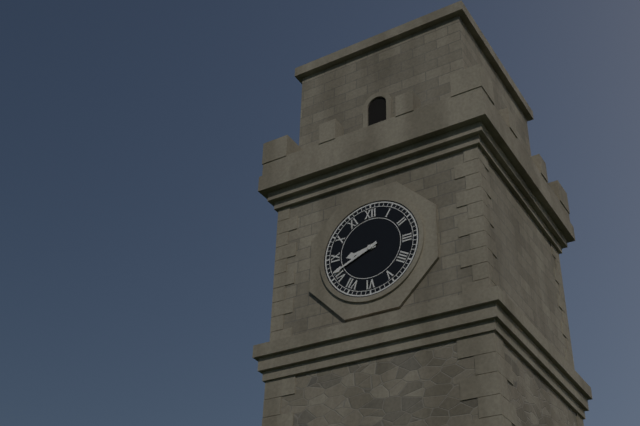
8.41
